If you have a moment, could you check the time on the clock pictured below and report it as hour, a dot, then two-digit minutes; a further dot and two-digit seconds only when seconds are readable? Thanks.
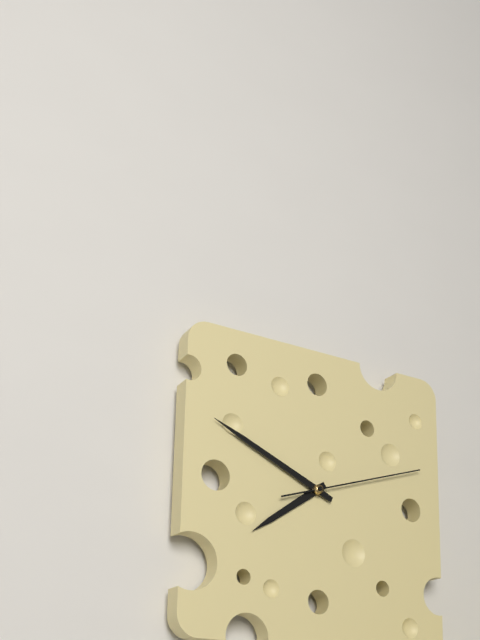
7.49.12
